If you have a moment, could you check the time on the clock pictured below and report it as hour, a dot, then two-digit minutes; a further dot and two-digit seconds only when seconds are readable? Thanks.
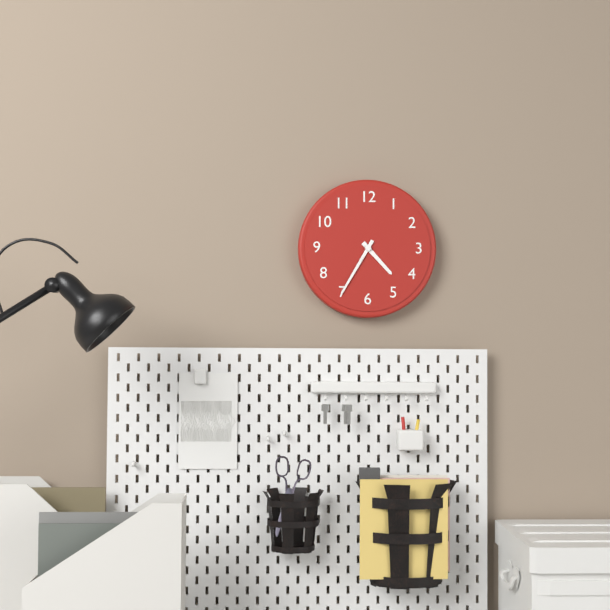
4.35
